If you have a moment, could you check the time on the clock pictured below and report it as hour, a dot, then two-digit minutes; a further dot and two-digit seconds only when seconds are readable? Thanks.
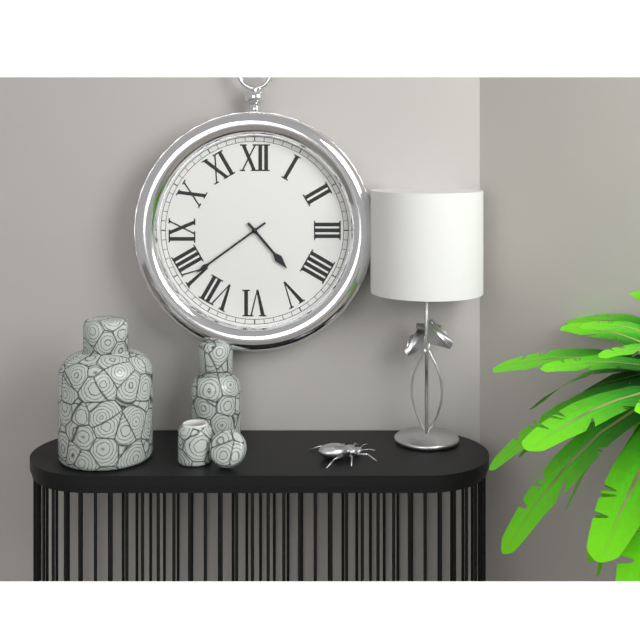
4.39
